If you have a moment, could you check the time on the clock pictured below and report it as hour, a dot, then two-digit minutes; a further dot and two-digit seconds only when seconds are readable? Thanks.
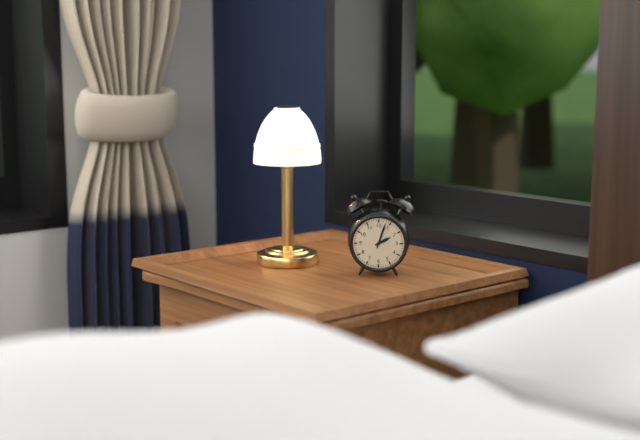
2.03
